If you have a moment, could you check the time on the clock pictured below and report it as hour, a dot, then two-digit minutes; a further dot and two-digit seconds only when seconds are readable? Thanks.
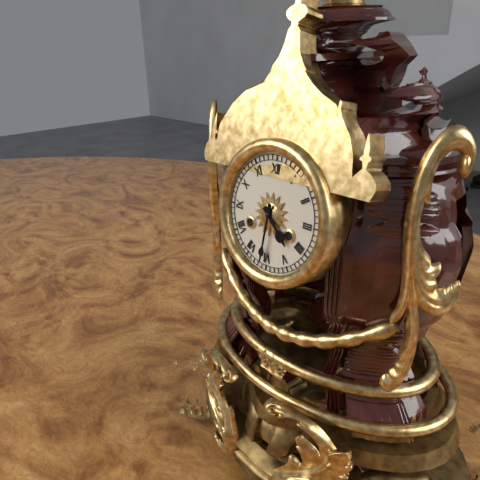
4.31
